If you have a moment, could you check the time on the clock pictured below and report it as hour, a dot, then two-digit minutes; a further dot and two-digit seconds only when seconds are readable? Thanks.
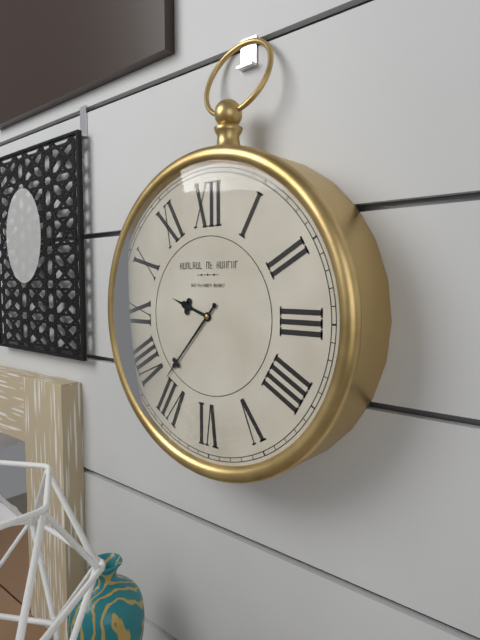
9.37
